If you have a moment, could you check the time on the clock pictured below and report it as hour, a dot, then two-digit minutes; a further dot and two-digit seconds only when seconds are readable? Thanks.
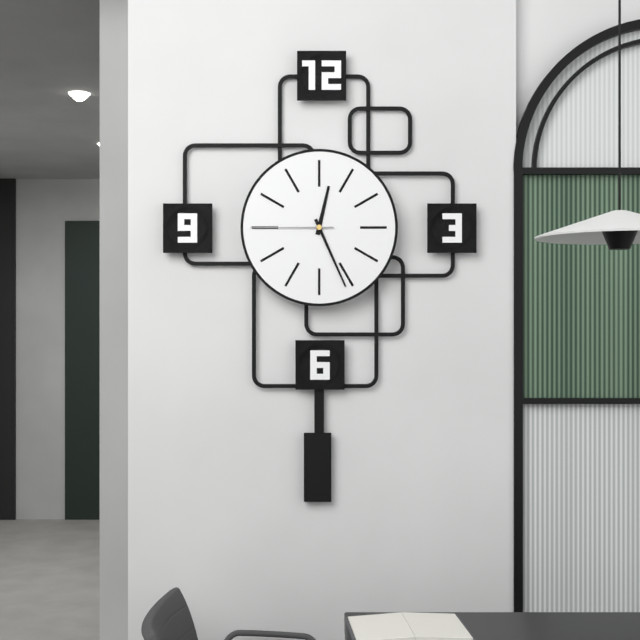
12.26.45
